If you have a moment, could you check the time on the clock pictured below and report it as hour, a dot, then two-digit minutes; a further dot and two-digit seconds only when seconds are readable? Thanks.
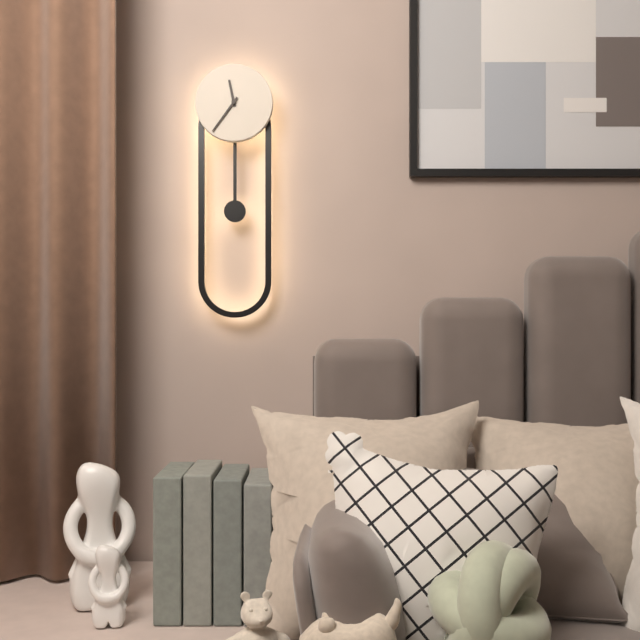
11.36
